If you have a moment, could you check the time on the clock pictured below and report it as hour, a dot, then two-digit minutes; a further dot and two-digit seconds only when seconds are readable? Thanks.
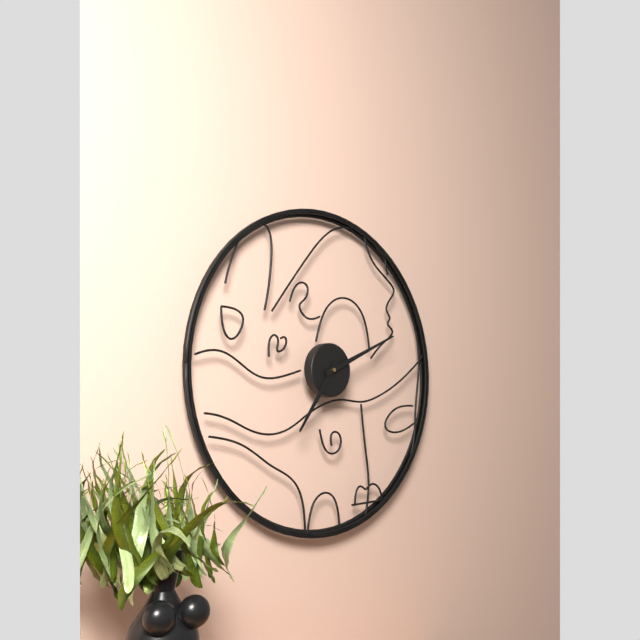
7.11
